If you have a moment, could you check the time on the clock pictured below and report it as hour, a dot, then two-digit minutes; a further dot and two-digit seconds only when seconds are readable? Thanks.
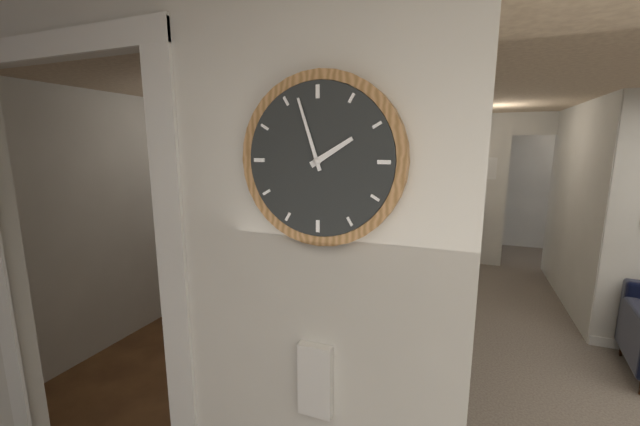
1.57
